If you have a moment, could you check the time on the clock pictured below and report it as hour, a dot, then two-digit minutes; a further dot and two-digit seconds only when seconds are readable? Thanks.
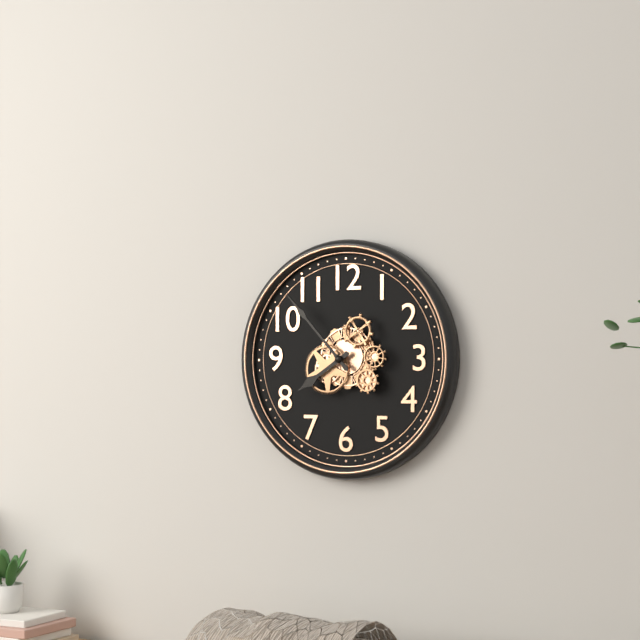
7.53
